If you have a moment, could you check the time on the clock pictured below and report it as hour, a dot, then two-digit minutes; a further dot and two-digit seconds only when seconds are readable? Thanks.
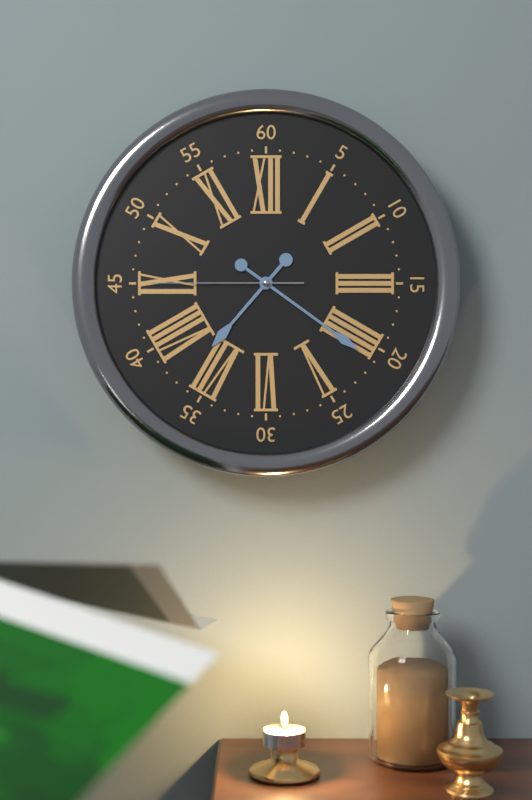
7.21.45
